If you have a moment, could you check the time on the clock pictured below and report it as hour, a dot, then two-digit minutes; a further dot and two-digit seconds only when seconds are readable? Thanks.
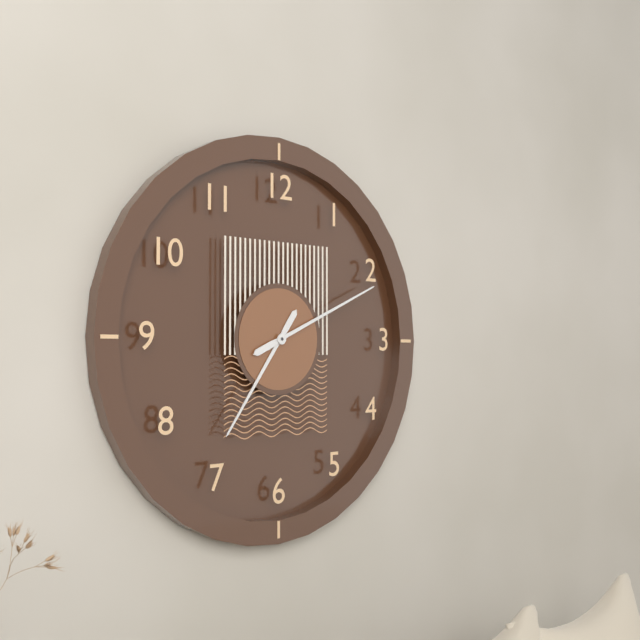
7.11
